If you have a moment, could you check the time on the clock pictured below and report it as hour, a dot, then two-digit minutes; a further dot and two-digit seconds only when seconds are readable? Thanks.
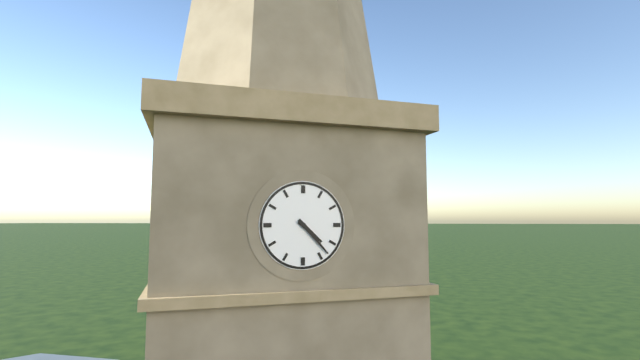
4.23
